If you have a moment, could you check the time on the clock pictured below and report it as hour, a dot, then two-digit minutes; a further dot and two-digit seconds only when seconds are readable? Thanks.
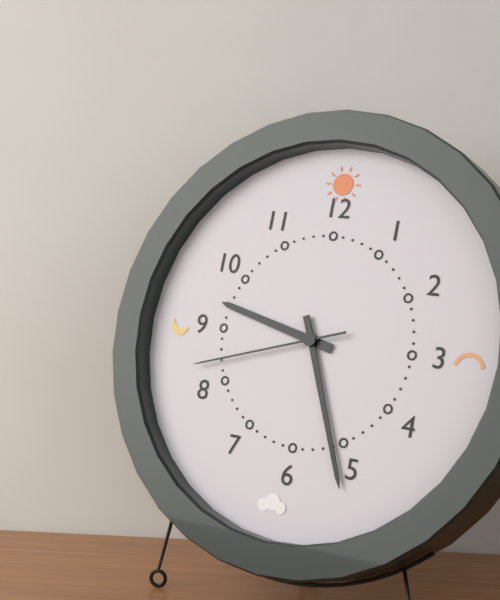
9.26.42
